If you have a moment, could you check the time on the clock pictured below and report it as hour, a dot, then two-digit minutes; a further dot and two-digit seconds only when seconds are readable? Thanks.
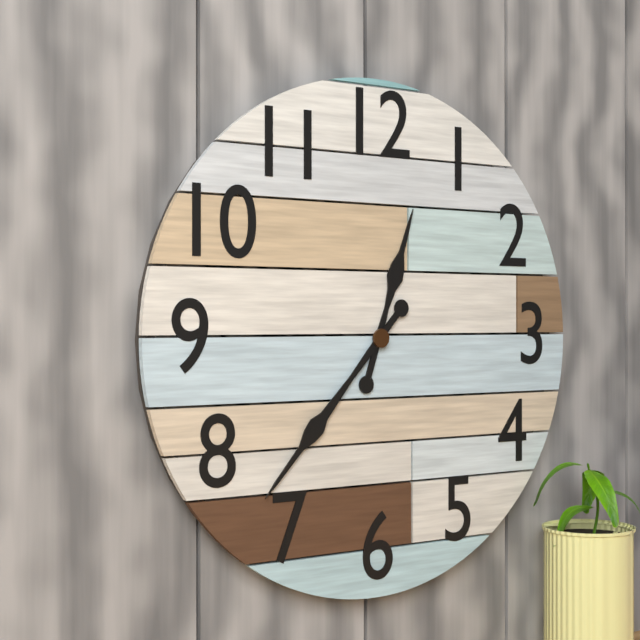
12.37
